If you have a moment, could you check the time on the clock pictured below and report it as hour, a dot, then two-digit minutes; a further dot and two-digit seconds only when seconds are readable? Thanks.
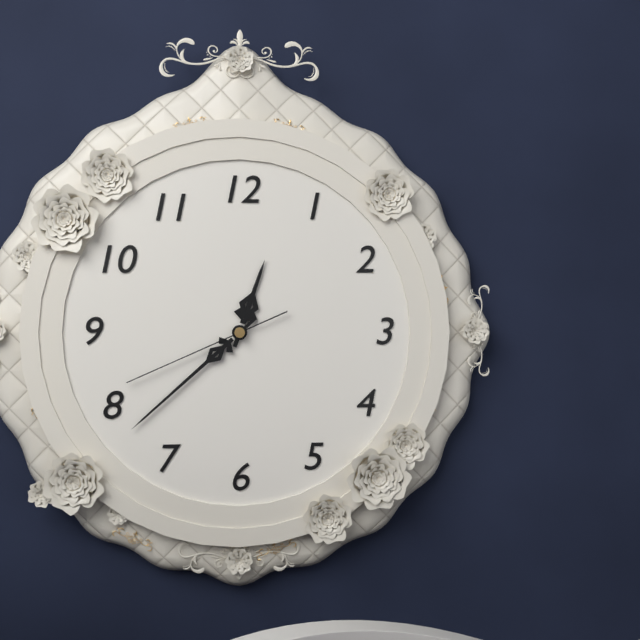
12.38.41
